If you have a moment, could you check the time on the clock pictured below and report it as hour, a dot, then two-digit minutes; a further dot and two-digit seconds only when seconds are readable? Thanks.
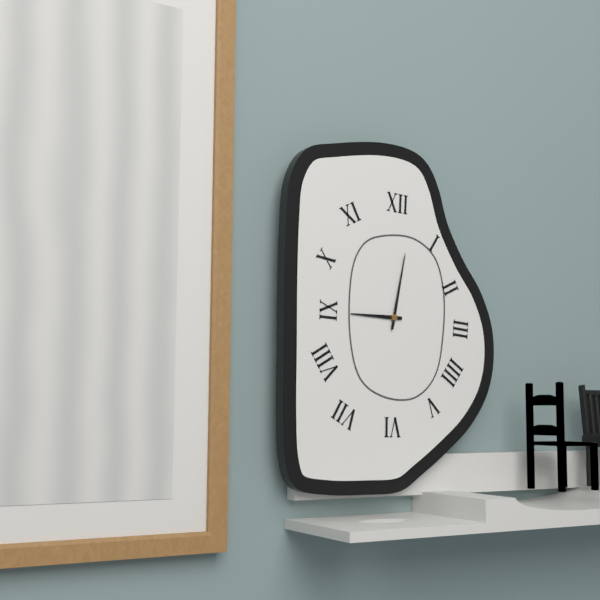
9.02
